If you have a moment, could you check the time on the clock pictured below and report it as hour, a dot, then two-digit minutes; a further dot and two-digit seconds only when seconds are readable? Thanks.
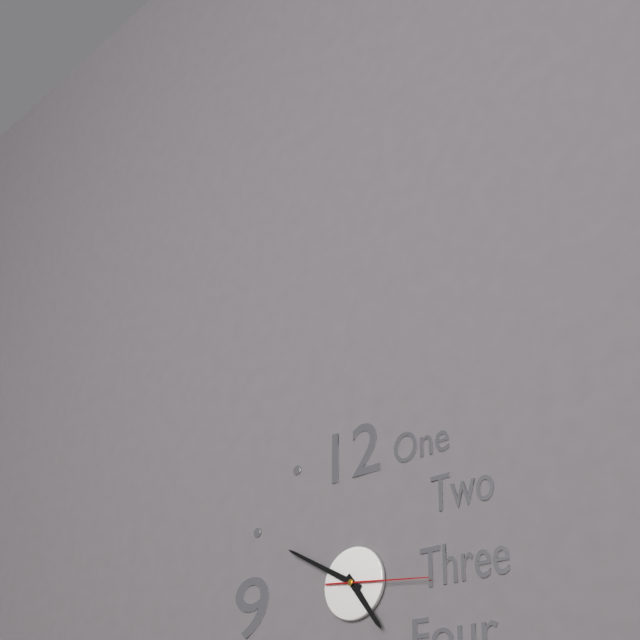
4.50.16
